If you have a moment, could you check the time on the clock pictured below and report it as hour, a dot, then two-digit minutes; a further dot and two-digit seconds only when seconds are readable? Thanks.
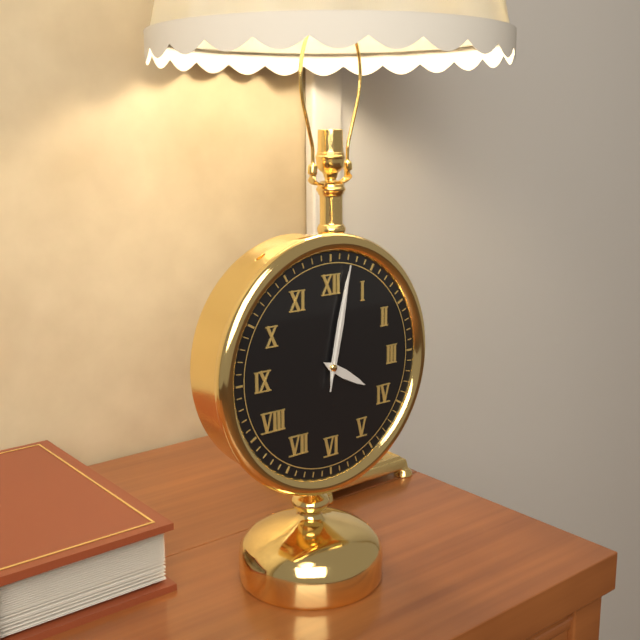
4.02.02
